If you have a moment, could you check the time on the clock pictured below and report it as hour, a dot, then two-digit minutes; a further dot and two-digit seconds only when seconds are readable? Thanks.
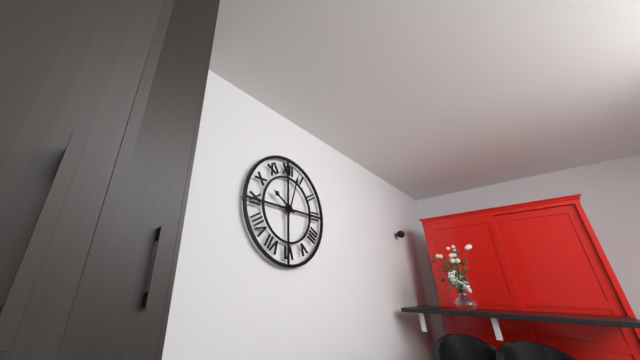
10.03
